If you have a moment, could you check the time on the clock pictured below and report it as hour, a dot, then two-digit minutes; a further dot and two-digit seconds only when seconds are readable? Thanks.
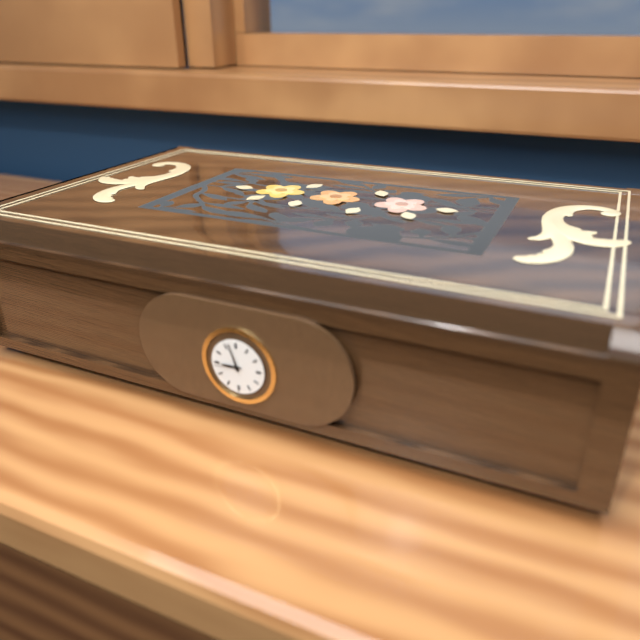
8.57.44
